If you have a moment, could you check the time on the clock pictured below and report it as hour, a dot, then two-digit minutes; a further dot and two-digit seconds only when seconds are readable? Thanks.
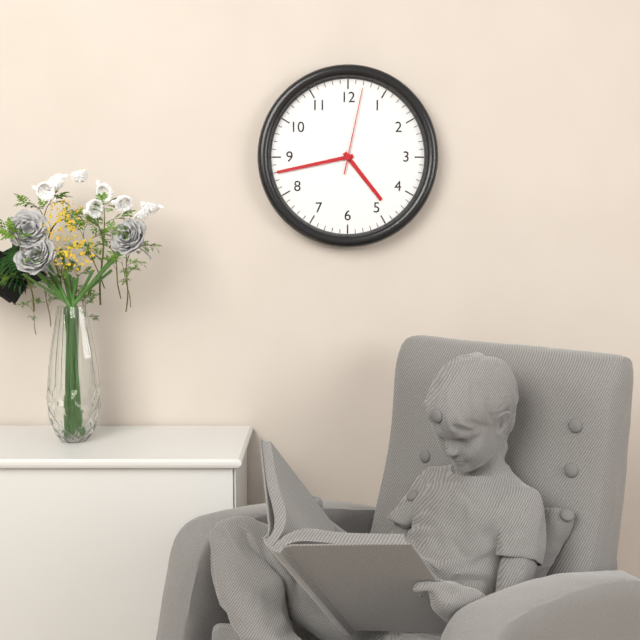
4.43.02
